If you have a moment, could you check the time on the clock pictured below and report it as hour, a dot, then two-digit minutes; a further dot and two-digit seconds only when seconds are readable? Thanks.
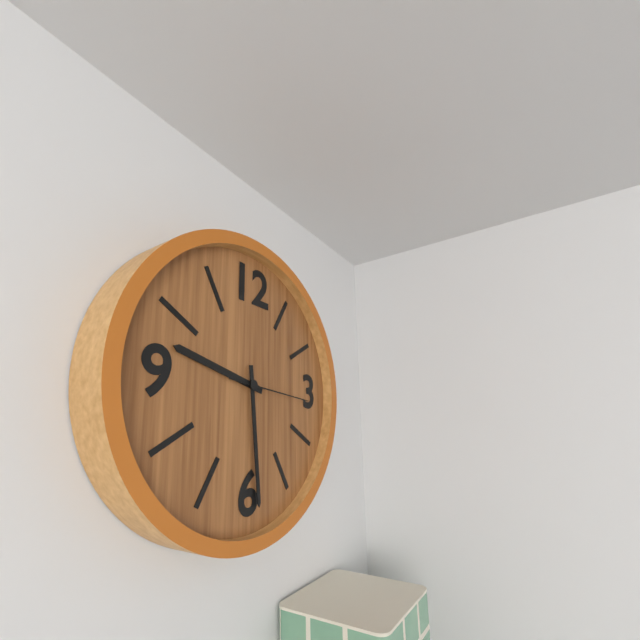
9.29.16
